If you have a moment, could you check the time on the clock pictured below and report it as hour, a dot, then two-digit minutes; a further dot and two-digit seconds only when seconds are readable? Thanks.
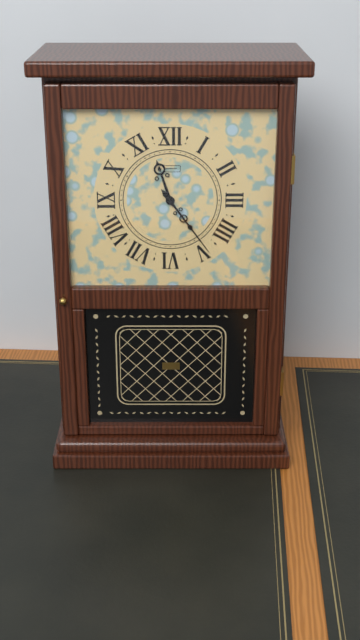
11.24
